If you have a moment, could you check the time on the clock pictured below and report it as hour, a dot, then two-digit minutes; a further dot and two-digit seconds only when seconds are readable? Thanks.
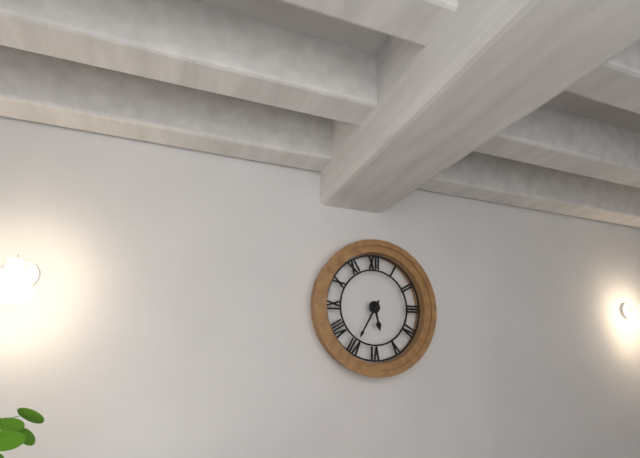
5.35
